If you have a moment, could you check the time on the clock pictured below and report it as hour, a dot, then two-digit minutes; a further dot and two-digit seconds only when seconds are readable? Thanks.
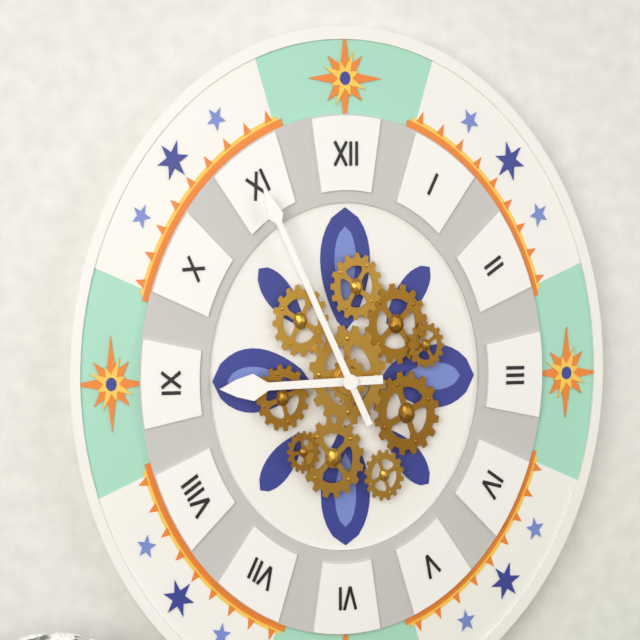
8.56
